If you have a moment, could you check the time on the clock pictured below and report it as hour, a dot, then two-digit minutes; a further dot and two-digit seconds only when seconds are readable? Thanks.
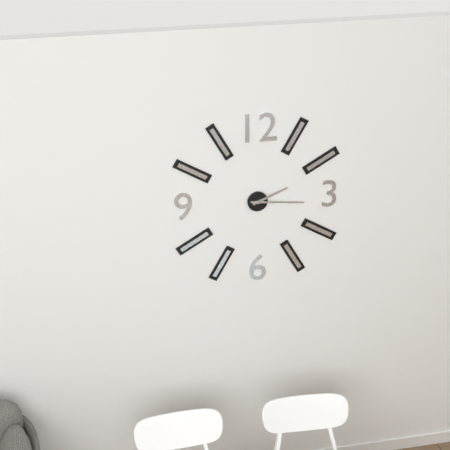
2.16
